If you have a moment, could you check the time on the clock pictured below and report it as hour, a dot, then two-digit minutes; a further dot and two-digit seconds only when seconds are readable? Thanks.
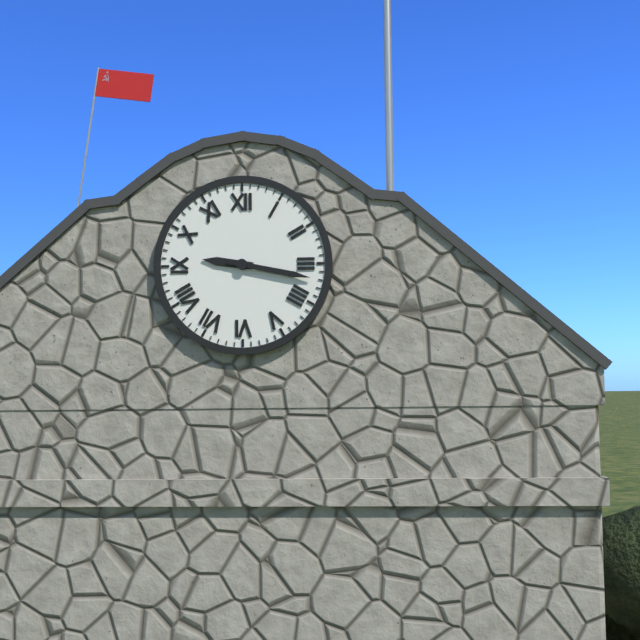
9.17
